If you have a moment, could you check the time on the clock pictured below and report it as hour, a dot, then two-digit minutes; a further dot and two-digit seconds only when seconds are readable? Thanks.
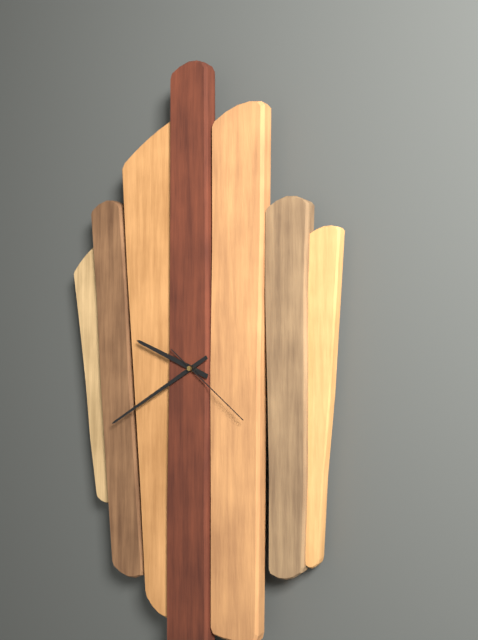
9.40.21
